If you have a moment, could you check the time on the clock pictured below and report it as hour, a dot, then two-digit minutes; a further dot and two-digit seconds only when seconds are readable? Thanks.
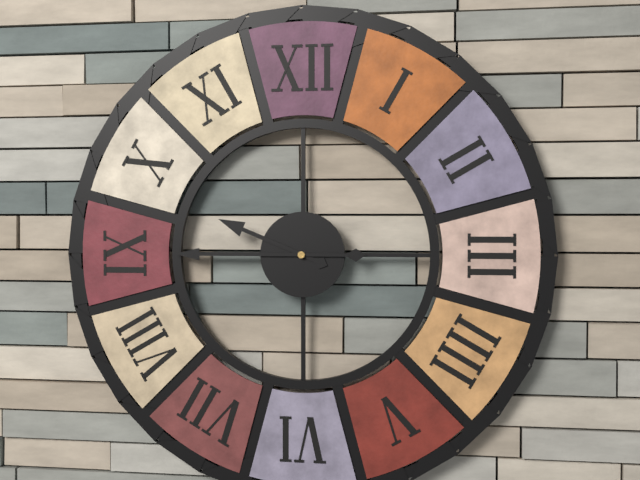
9.45
